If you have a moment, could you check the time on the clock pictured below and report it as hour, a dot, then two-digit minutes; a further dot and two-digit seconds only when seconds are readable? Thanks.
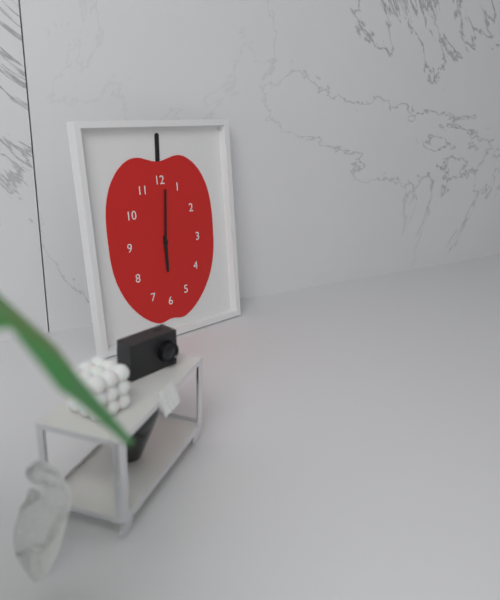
6.01
